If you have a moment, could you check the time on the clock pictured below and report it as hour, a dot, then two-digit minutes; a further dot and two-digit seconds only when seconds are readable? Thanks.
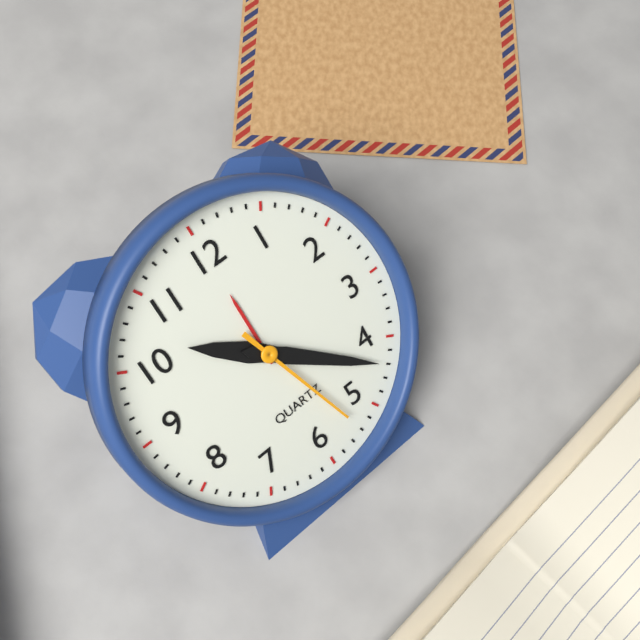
10.22.27
